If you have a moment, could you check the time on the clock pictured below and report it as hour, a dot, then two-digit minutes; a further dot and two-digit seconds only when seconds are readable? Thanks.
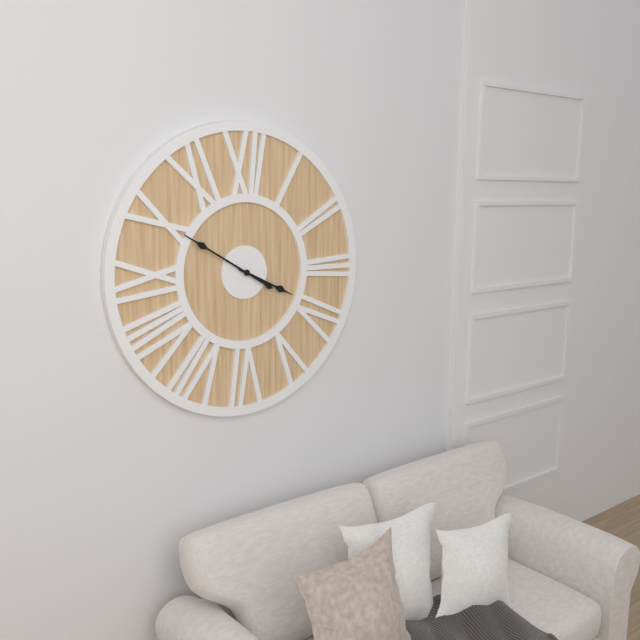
3.50
